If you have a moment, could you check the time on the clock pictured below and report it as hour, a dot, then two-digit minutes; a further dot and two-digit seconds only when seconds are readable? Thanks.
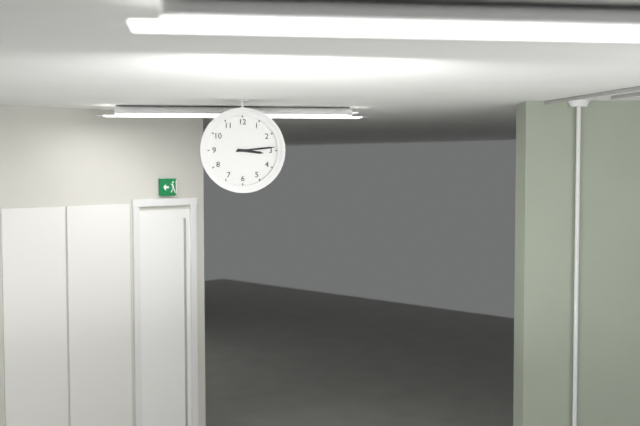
3.14
